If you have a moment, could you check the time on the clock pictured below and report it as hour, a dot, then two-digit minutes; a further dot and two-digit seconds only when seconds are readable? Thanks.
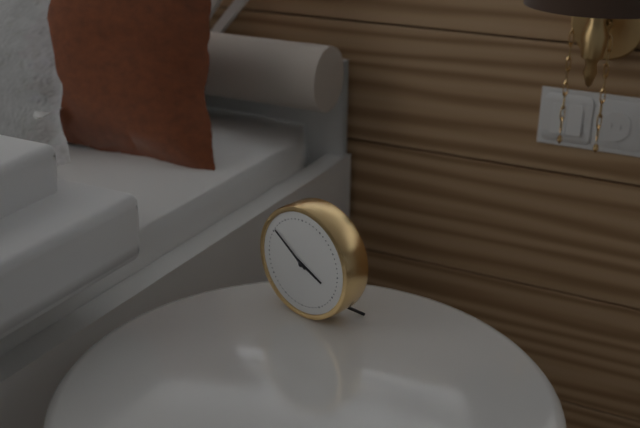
3.51
